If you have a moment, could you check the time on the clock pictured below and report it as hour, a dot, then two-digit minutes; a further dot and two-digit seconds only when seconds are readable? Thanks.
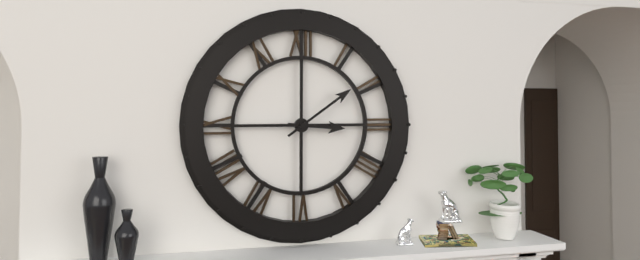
3.09
